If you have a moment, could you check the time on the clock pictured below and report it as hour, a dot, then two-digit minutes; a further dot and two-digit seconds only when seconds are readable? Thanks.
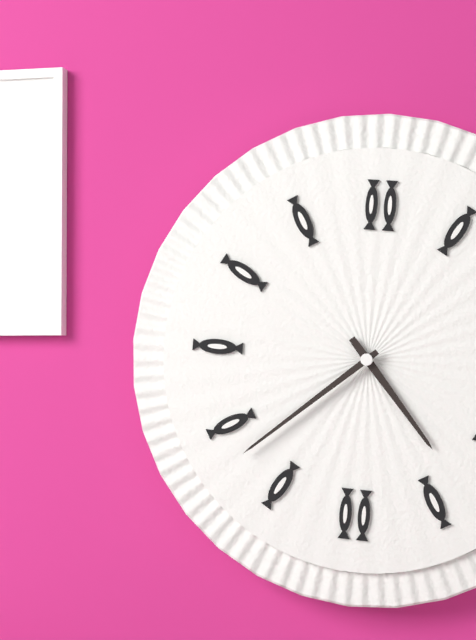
4.38
